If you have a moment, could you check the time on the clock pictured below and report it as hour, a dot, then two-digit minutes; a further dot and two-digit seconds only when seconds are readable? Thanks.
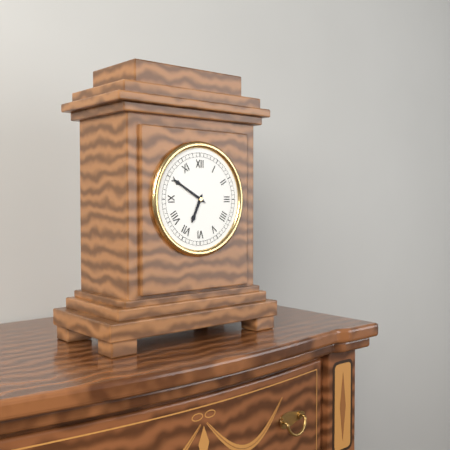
6.50
